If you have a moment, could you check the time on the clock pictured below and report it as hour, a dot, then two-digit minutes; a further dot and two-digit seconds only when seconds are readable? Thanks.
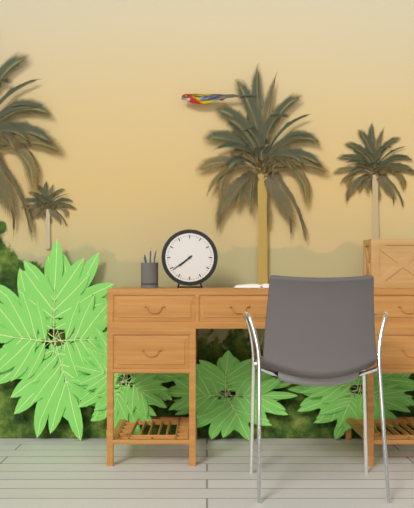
7.39
